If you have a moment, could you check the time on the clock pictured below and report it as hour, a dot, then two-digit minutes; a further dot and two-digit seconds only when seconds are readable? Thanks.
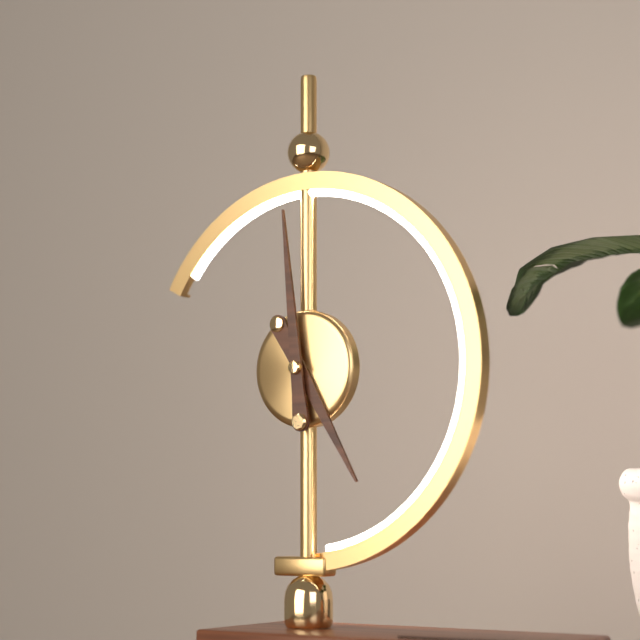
4.59
